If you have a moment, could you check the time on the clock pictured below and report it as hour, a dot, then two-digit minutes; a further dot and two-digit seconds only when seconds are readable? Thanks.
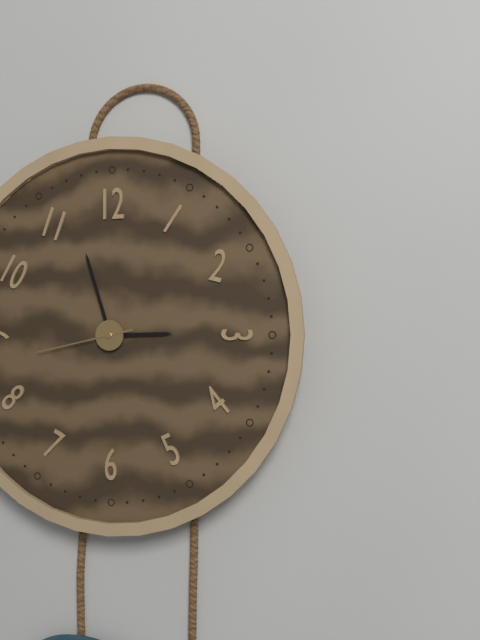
2.57.43
